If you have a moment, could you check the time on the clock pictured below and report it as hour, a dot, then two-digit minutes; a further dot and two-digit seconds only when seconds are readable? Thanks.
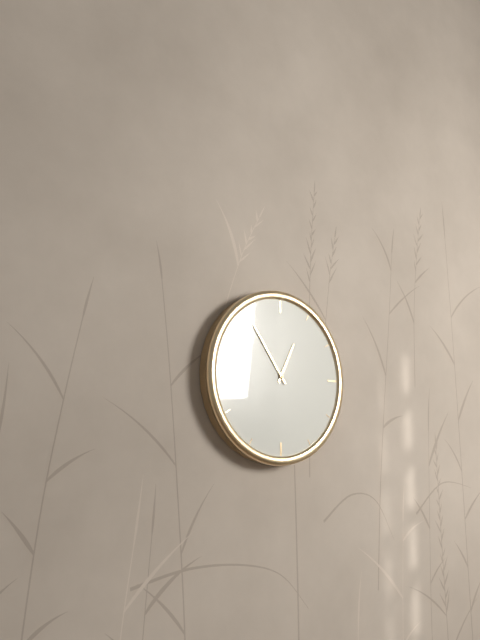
12.54
